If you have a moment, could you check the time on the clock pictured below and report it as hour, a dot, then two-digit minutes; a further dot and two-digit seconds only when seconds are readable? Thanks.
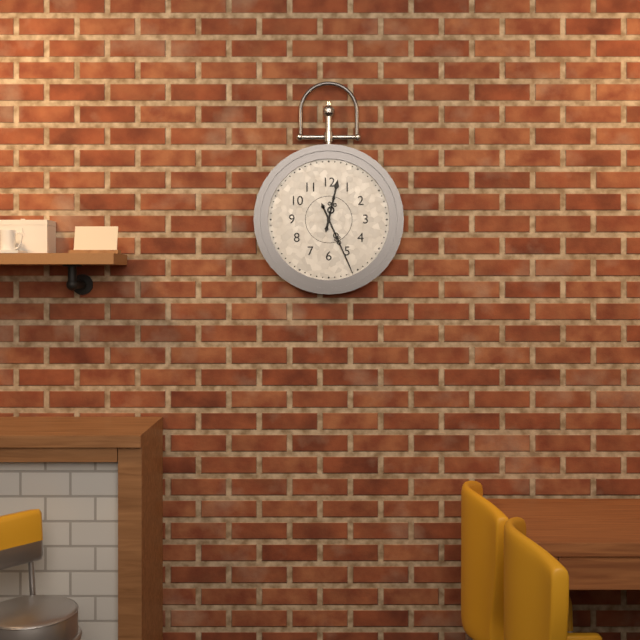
12.26
